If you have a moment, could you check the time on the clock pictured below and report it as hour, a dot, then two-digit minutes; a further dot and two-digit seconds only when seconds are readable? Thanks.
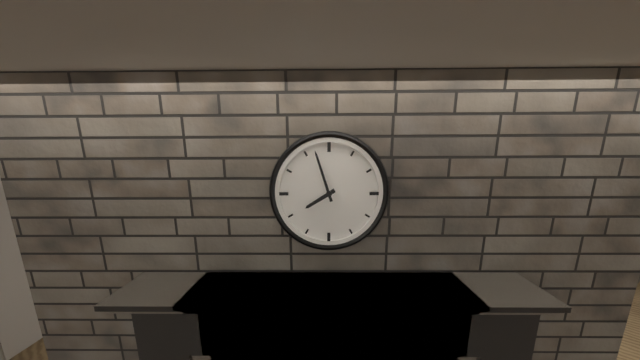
7.57
